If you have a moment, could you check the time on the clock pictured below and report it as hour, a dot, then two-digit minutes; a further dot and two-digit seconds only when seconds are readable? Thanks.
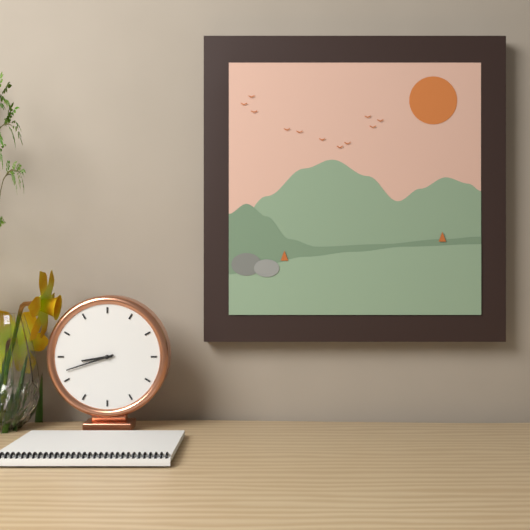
8.42
